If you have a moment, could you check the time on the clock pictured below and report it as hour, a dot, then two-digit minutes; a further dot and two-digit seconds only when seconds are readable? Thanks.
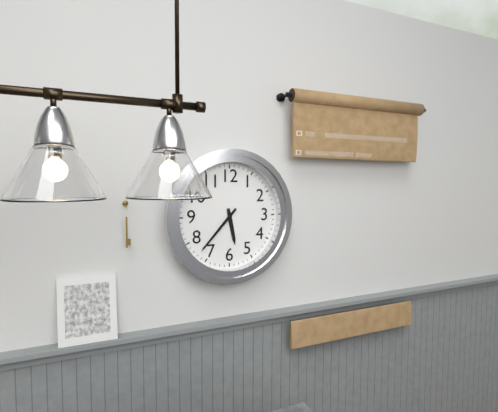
5.37
